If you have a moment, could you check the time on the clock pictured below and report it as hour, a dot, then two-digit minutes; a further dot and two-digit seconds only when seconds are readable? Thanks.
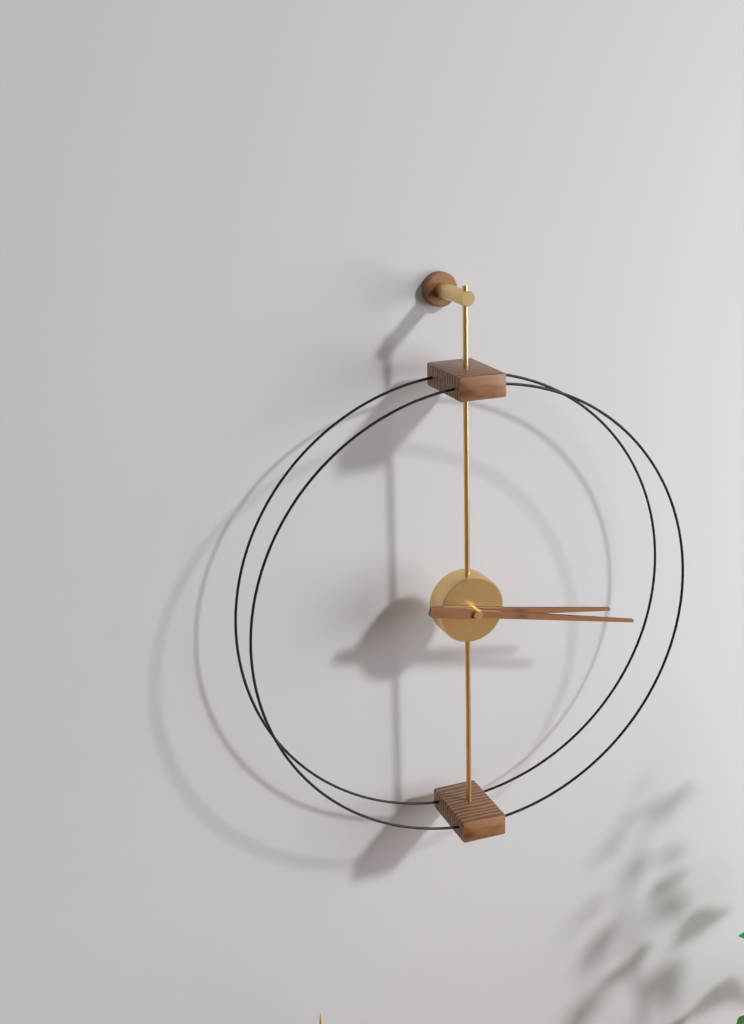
3.17
